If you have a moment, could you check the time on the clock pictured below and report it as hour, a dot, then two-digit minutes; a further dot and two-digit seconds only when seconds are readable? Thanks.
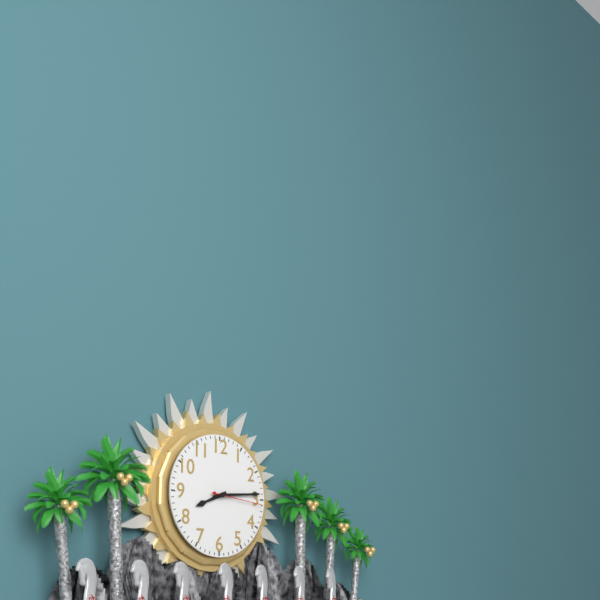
8.14.16
